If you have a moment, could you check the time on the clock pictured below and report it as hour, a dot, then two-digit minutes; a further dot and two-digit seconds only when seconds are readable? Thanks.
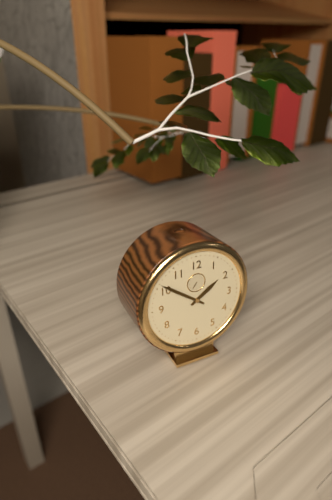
1.51
